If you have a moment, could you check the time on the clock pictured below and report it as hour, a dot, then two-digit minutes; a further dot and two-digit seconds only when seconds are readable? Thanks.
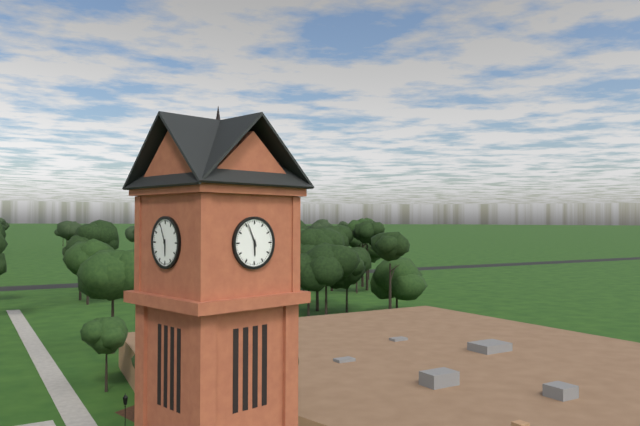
5.56
